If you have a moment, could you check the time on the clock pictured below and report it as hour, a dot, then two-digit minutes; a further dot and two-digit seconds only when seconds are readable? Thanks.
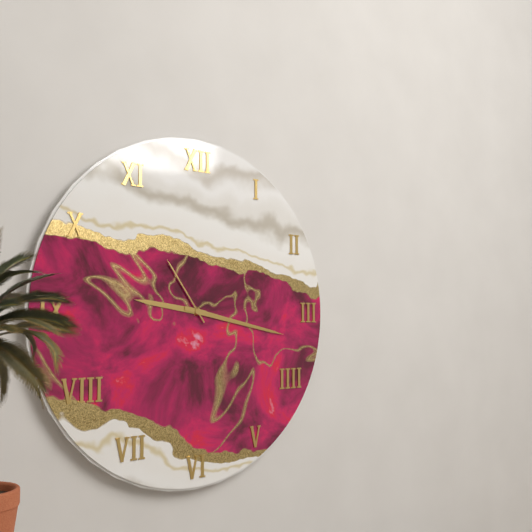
9.17.54
